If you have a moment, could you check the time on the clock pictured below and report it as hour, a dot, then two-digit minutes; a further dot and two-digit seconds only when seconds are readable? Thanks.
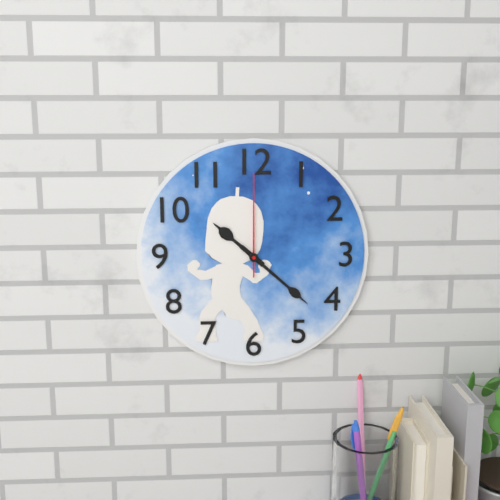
10.22.00
